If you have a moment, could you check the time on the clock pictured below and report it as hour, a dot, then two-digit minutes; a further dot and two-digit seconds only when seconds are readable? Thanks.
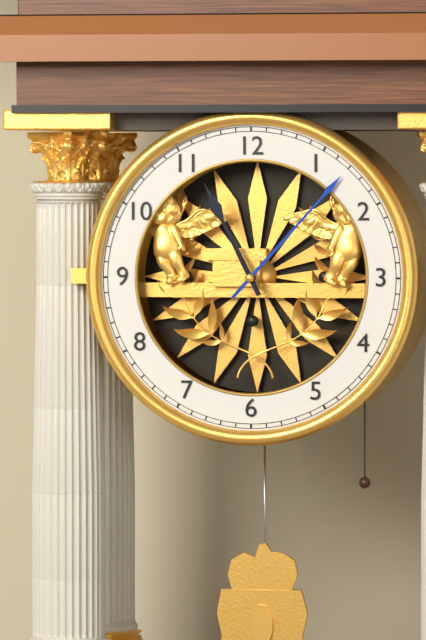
11.07
